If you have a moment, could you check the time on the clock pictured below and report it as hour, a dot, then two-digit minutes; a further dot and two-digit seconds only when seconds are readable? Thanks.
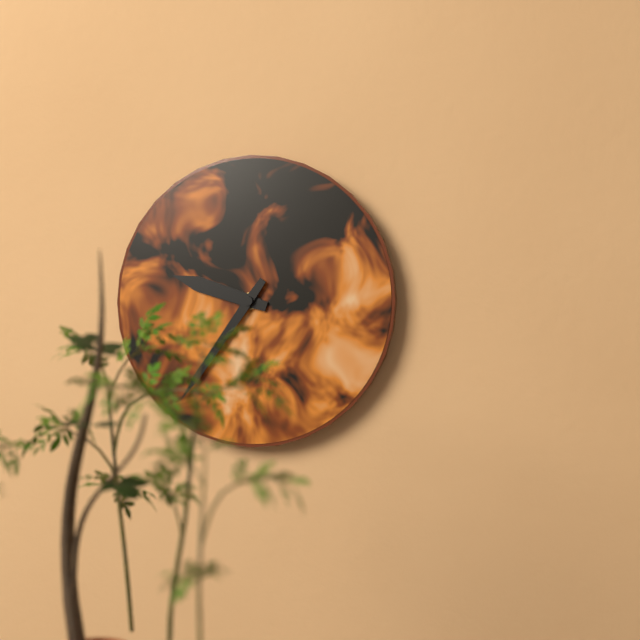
9.36
